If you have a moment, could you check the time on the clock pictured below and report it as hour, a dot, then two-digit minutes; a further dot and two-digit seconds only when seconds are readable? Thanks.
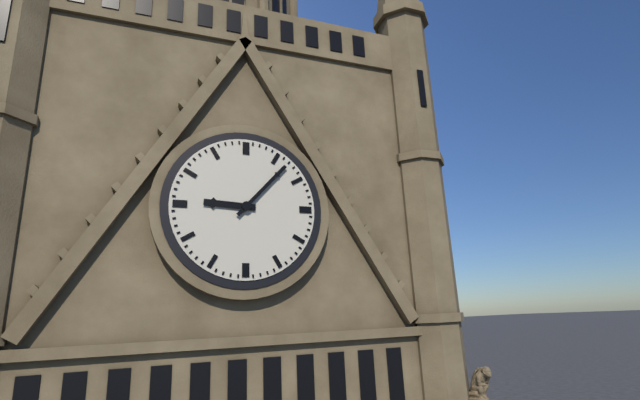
9.07
